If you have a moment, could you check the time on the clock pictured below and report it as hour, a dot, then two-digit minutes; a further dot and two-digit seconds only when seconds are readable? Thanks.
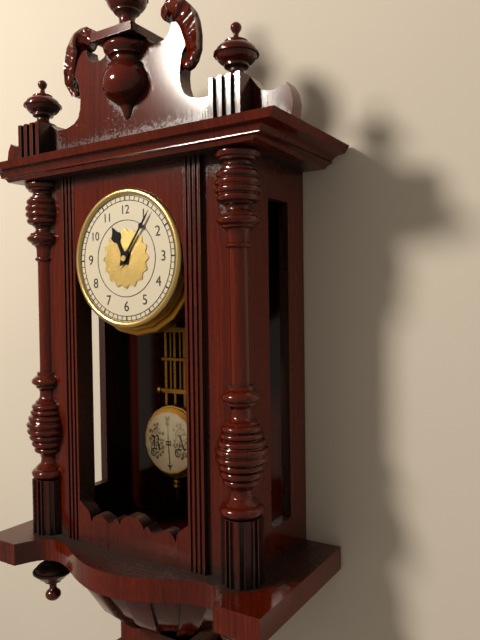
11.06
